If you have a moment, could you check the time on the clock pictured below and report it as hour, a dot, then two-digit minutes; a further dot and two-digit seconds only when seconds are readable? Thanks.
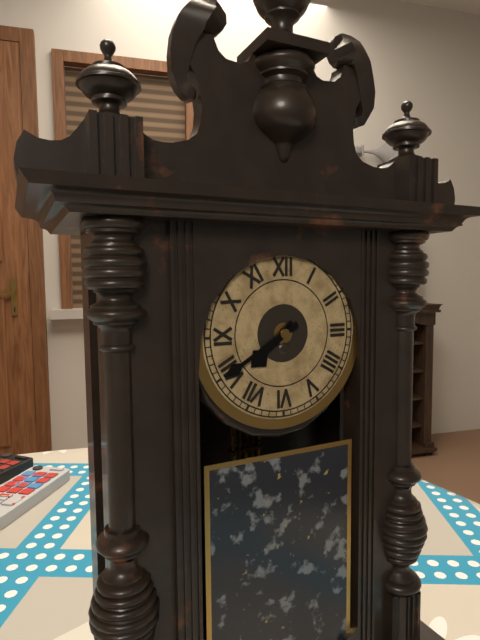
7.40
